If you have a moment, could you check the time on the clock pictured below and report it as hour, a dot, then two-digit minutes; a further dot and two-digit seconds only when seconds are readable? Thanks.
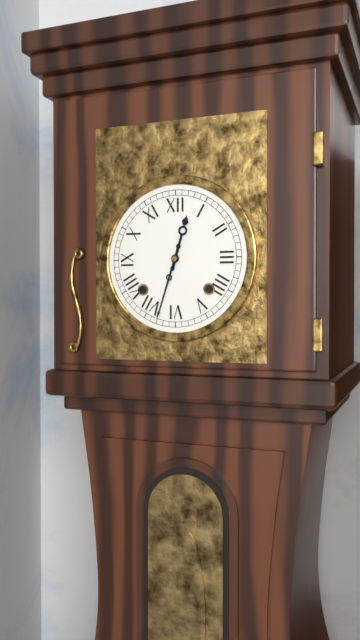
12.33
